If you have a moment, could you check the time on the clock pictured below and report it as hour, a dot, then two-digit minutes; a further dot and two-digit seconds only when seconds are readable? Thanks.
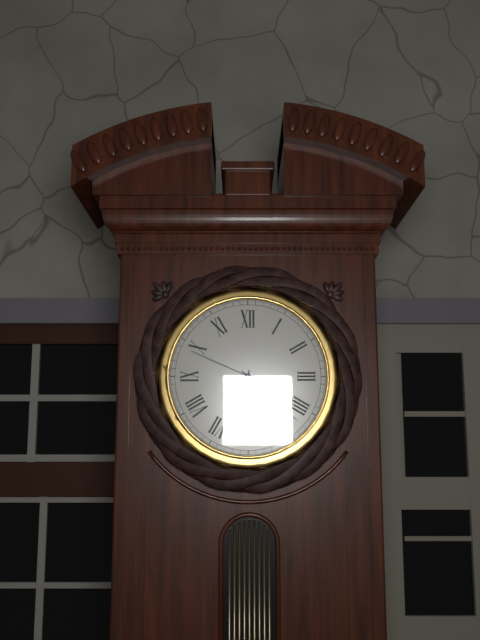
6.22.49
